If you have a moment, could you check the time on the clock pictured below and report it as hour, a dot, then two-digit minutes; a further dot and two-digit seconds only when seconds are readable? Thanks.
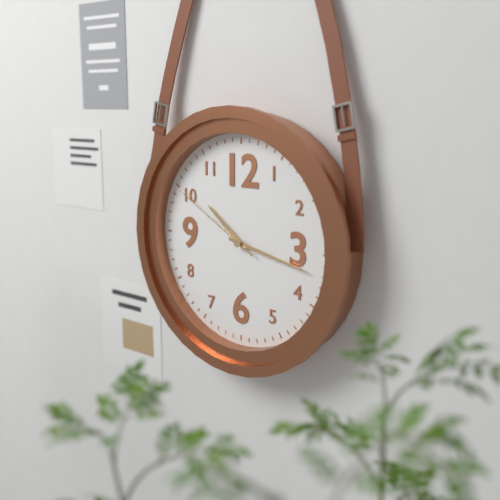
10.17.50
